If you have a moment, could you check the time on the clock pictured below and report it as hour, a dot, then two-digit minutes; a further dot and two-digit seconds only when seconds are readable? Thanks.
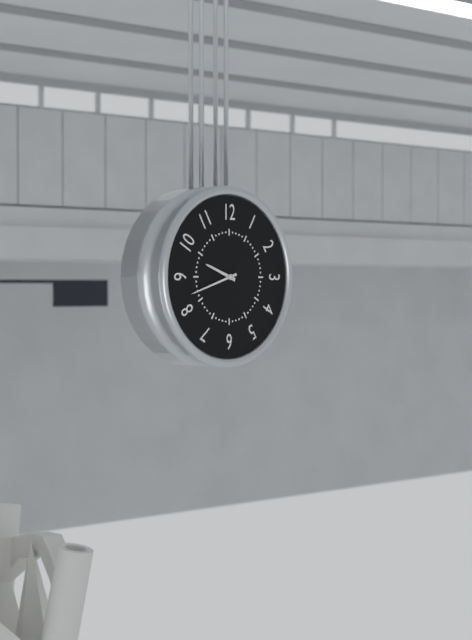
9.42
